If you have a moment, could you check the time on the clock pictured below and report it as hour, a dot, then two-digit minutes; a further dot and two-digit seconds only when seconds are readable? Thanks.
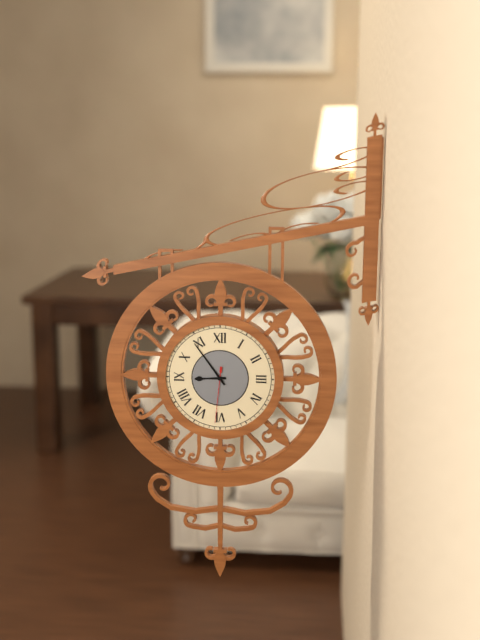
8.54.31
